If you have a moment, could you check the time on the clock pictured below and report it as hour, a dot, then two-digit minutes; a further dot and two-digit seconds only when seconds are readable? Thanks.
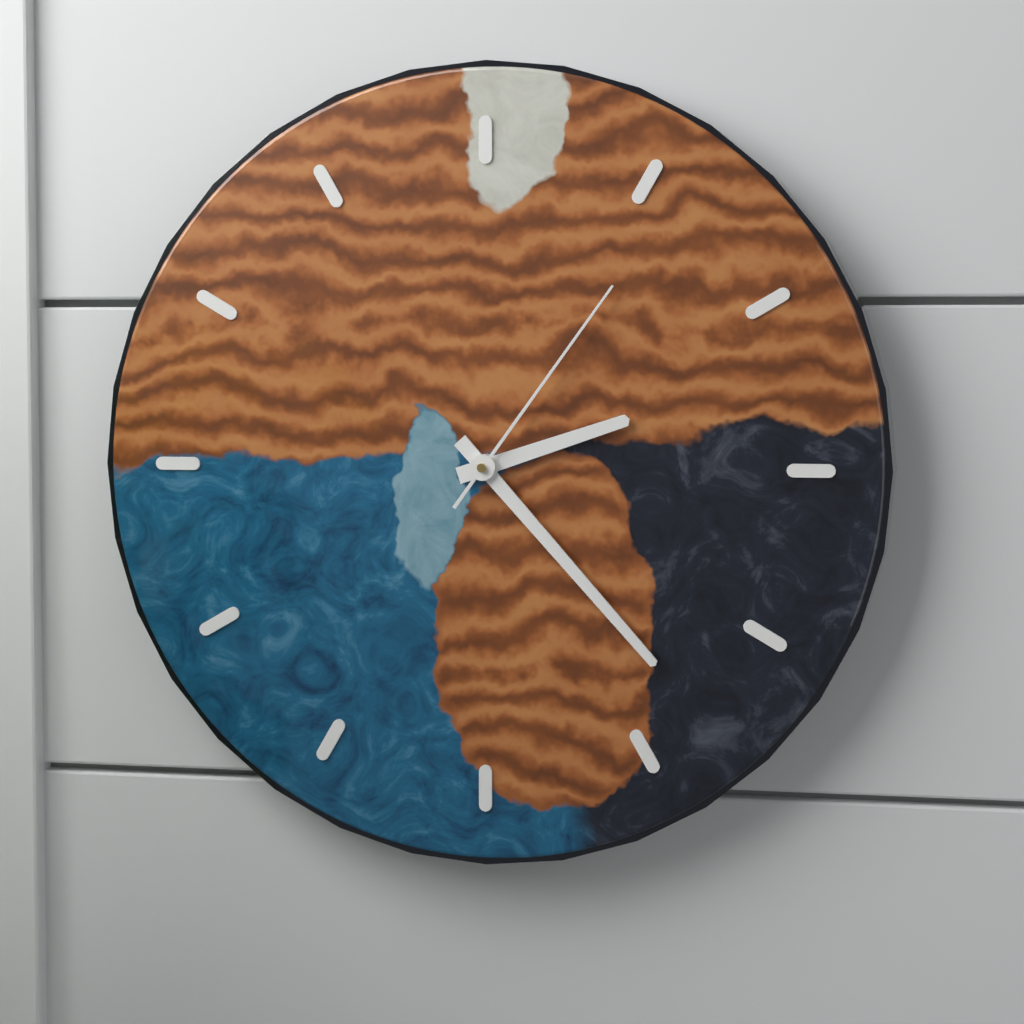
2.23.06
